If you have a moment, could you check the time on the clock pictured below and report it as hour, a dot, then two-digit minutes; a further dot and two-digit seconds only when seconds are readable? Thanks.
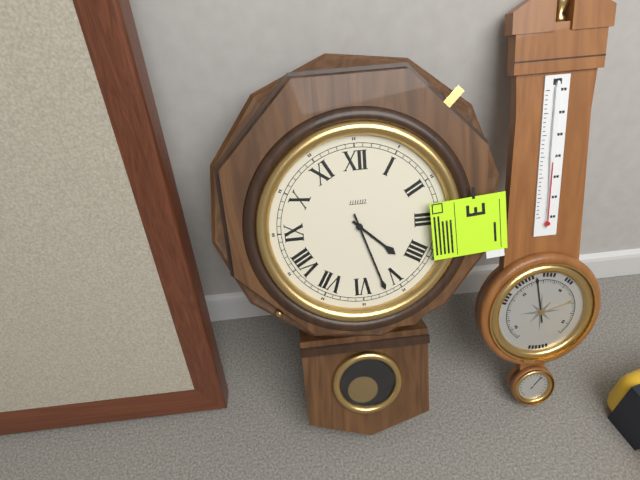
4.27
